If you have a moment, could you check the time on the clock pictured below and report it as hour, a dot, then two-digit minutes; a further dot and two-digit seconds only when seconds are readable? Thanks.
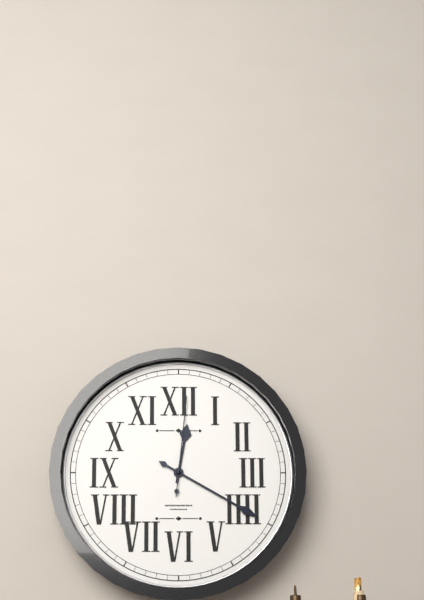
12.20.01
